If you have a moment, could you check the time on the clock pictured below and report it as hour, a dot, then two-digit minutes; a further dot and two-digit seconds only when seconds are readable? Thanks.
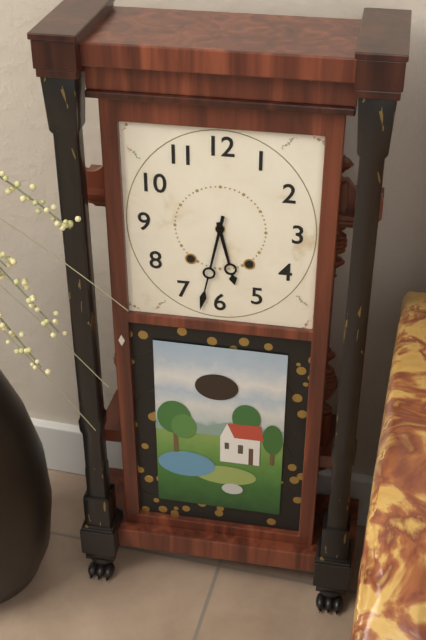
5.32
